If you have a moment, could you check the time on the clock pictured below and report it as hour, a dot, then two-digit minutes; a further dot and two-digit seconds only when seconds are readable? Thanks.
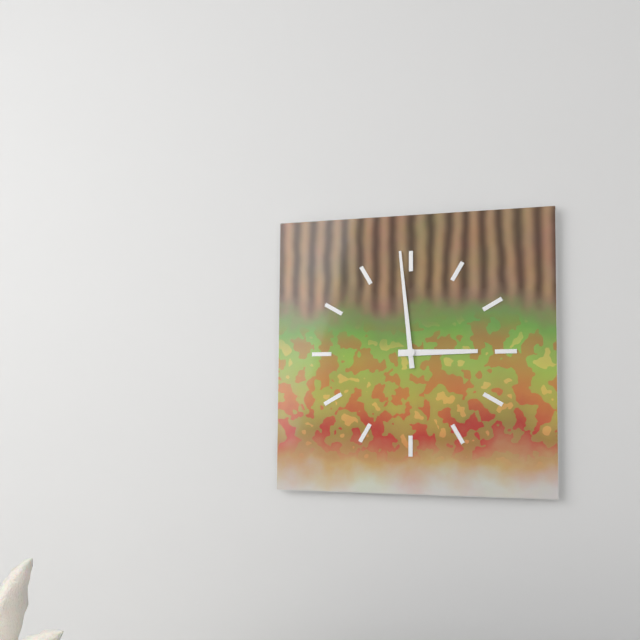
2.59
